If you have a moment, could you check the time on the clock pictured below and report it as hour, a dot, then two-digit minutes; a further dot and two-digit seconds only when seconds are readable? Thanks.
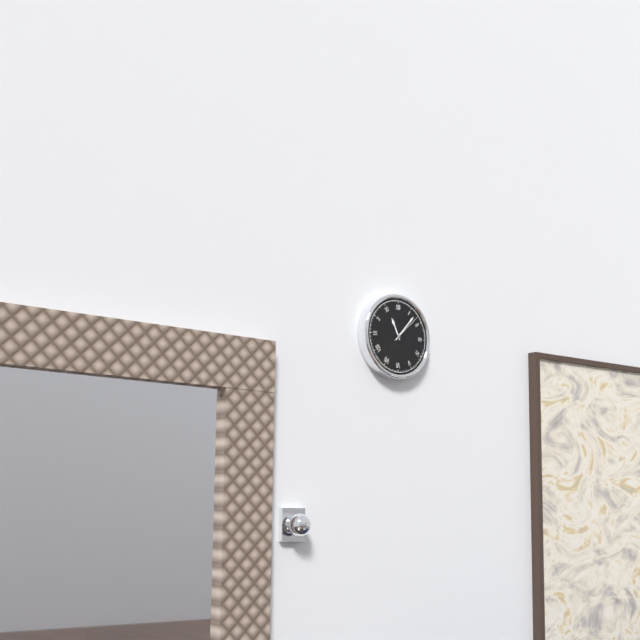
11.07
